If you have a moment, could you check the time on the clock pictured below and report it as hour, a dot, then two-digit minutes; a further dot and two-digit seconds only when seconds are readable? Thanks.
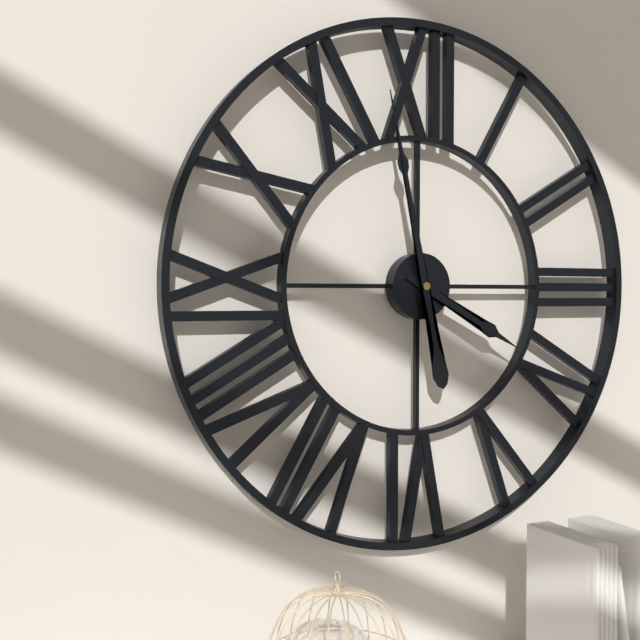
3.58
